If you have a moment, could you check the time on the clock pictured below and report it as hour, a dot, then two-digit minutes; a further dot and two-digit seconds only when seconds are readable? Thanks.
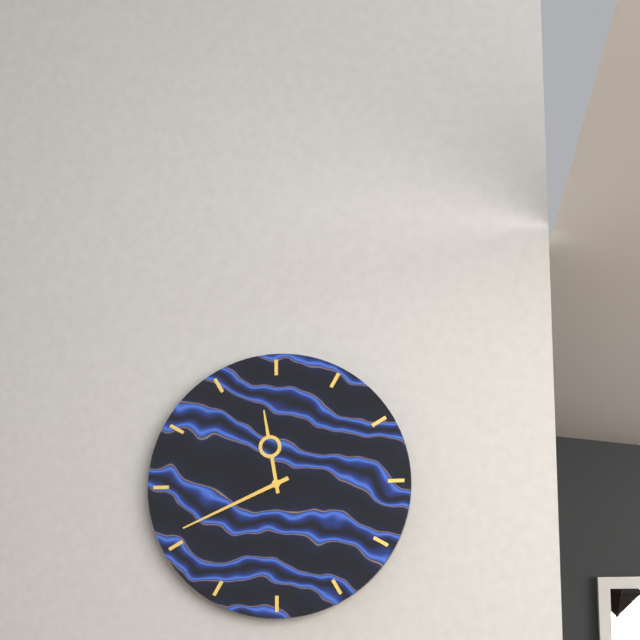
11.41
